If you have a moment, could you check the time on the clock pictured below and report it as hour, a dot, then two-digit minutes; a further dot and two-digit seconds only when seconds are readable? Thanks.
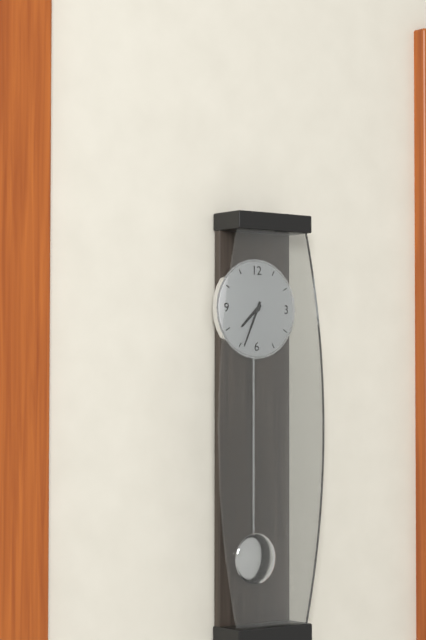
7.34
